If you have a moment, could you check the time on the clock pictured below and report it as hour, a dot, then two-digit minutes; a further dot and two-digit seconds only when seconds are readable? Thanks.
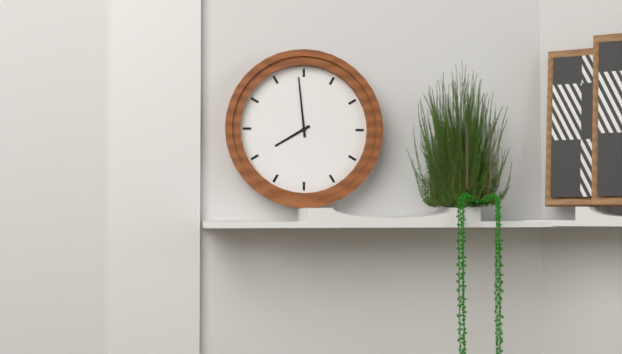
7.59
